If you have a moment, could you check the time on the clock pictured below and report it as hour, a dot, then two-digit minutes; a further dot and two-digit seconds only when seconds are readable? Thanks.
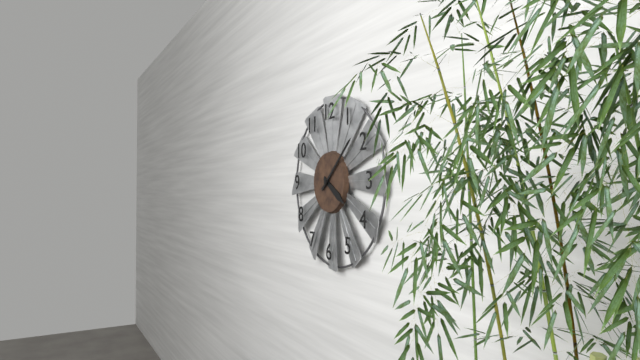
4.08
